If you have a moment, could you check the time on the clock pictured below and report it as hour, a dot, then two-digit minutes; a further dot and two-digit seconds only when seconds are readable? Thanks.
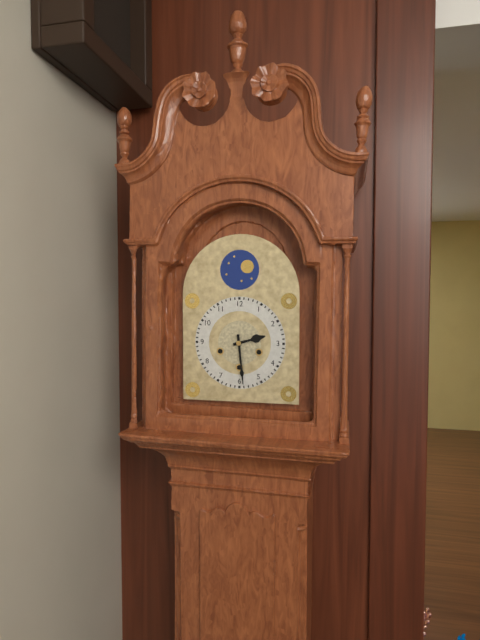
2.29
